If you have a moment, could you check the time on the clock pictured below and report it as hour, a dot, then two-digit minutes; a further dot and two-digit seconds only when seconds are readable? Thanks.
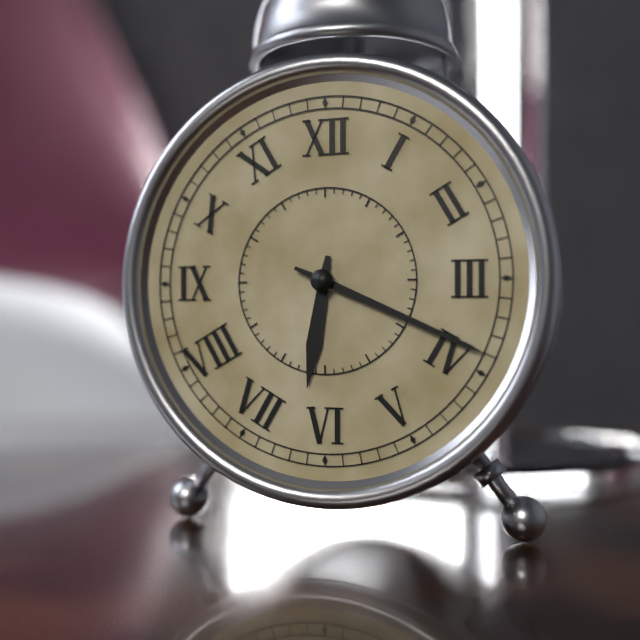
6.19
